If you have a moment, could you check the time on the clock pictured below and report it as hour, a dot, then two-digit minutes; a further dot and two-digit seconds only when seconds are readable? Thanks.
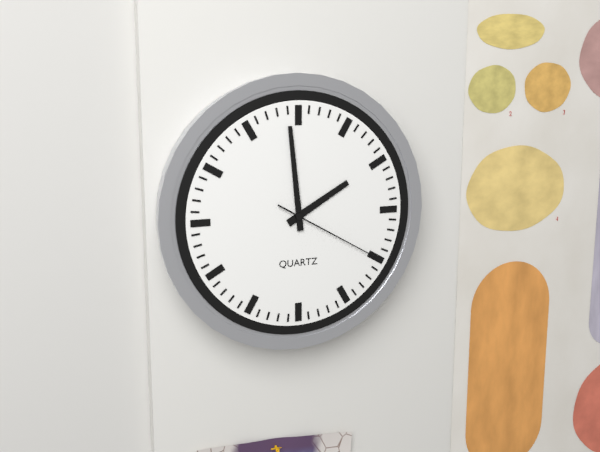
1.59.20
